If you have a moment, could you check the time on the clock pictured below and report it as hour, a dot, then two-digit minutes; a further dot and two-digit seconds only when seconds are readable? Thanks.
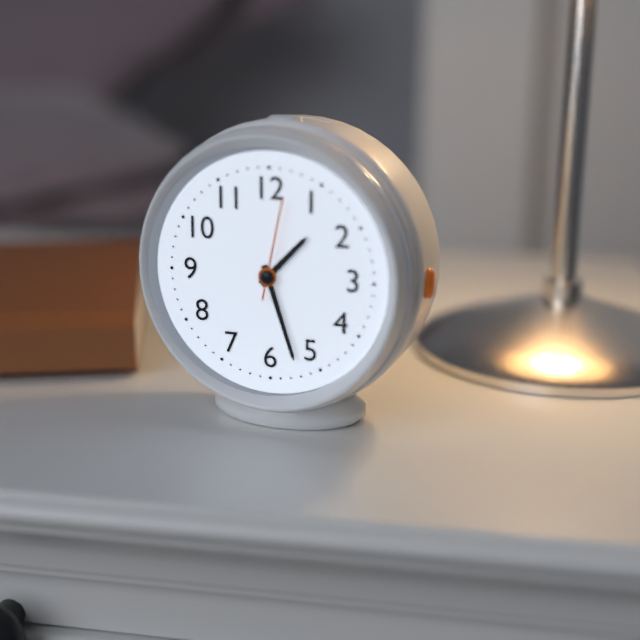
1.27.02
